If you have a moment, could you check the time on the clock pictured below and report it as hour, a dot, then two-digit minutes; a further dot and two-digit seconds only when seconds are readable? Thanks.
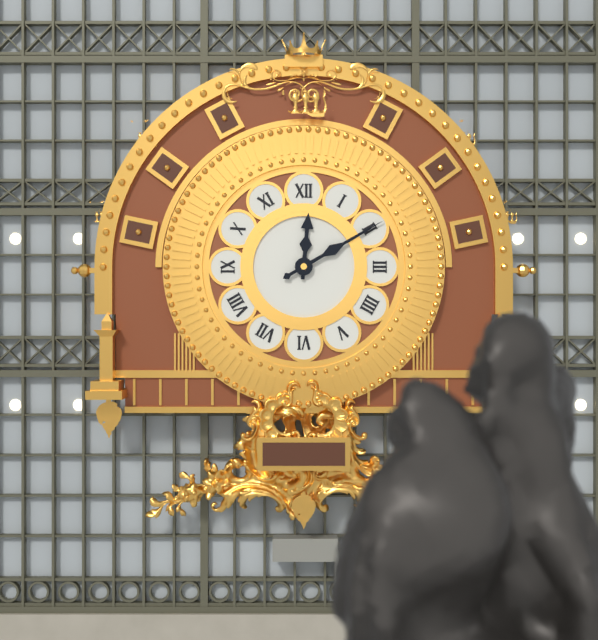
12.10
